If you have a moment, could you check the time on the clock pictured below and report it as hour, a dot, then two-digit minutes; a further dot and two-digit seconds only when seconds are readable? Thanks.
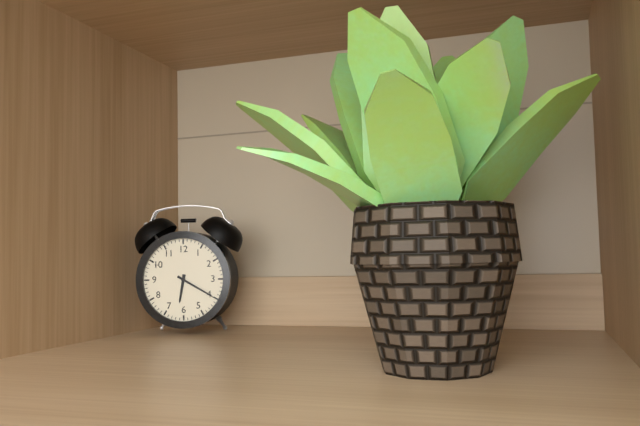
6.20
